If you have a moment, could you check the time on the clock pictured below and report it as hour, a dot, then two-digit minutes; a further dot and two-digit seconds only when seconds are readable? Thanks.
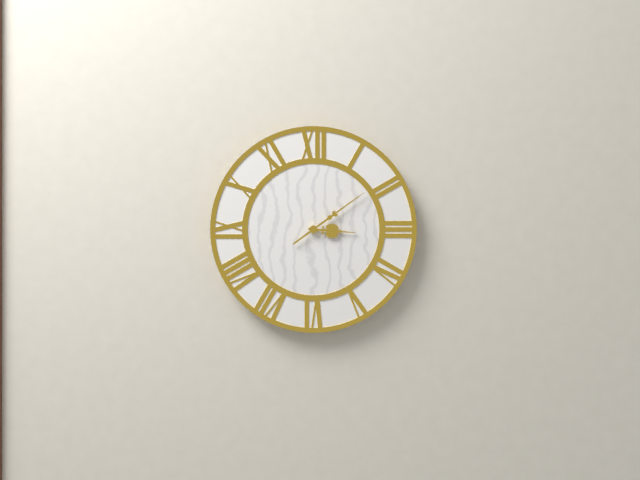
3.09
